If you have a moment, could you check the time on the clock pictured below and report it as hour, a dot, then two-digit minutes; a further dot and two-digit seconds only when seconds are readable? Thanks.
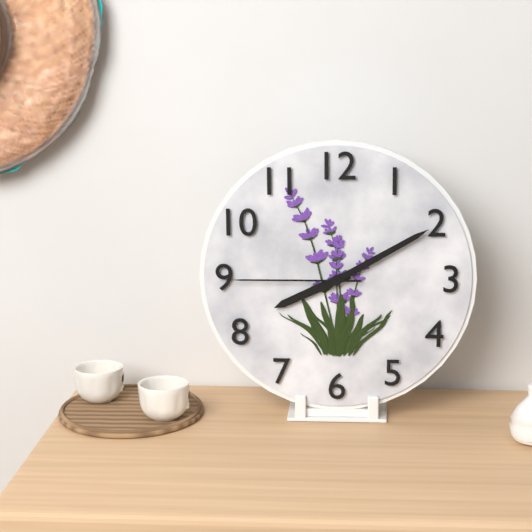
8.10.45
